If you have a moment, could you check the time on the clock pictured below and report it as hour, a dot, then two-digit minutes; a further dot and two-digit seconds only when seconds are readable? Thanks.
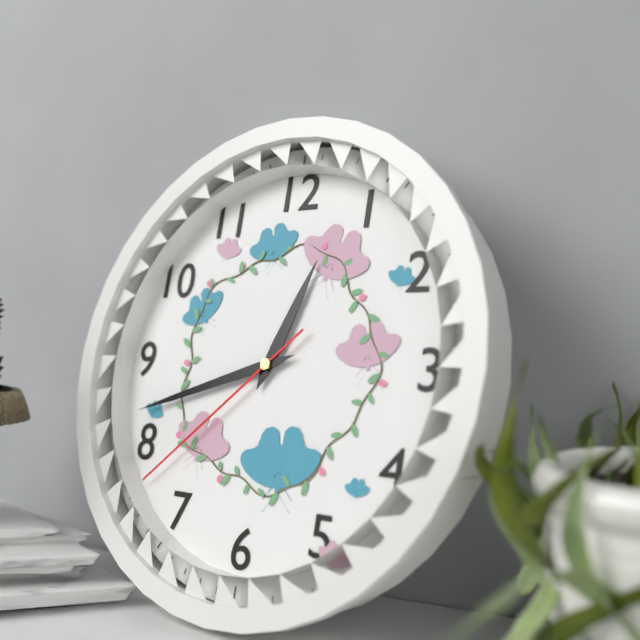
12.42.38
